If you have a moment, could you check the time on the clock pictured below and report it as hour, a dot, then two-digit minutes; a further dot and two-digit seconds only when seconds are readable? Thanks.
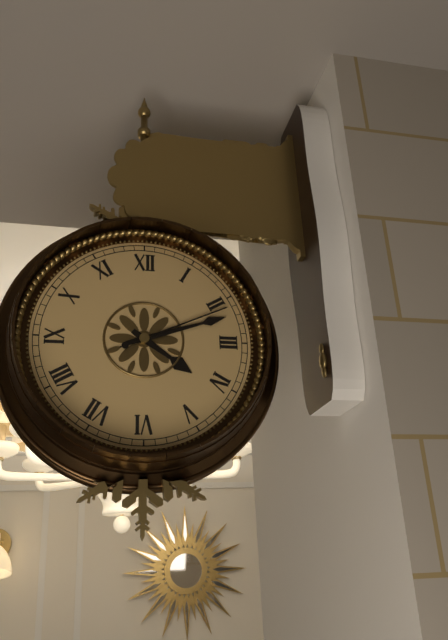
4.12.11
